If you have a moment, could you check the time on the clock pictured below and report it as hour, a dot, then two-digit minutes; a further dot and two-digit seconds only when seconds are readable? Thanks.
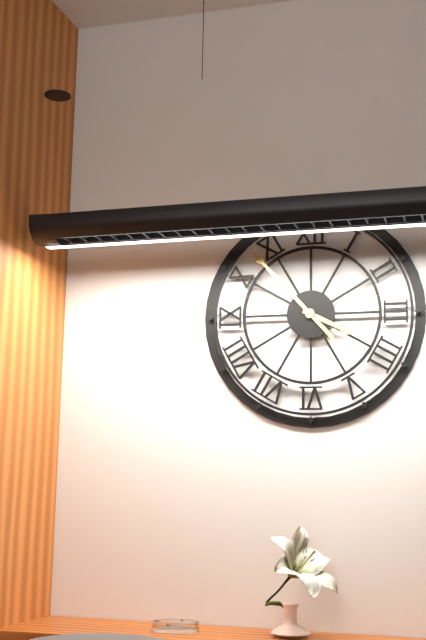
3.53
